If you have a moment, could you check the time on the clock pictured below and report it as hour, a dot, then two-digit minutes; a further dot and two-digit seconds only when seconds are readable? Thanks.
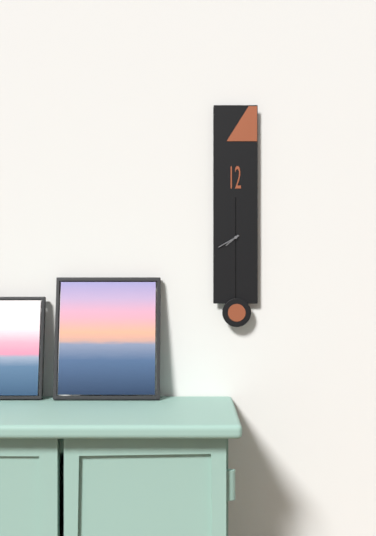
7.40
